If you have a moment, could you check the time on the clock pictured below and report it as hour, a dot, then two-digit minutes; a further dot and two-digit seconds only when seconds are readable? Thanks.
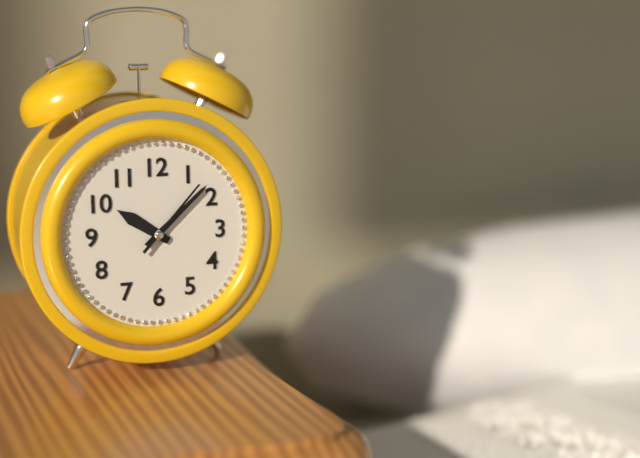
10.08.07
